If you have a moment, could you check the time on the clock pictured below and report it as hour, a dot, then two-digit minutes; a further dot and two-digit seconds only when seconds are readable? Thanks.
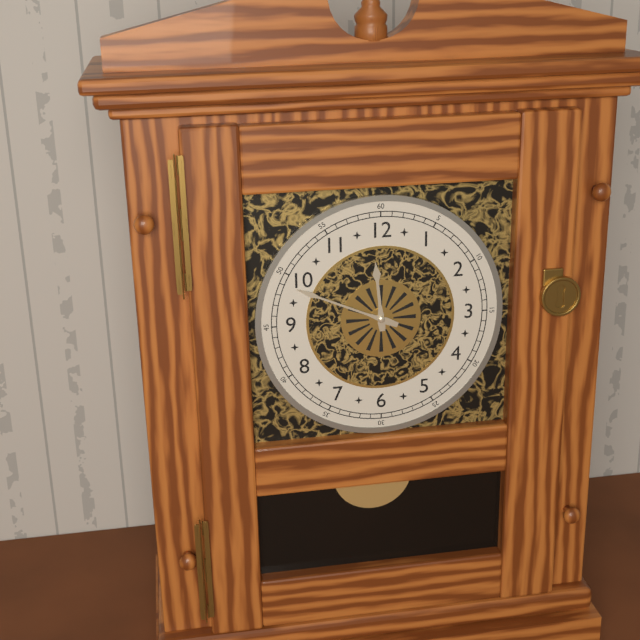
11.49
